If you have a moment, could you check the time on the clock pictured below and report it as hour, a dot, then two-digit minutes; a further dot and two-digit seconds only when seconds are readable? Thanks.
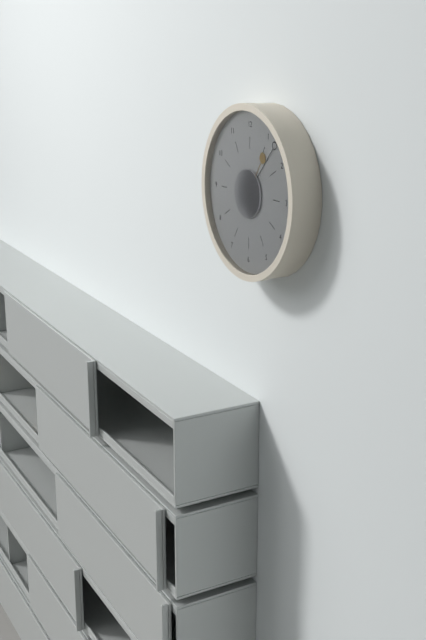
1.07
